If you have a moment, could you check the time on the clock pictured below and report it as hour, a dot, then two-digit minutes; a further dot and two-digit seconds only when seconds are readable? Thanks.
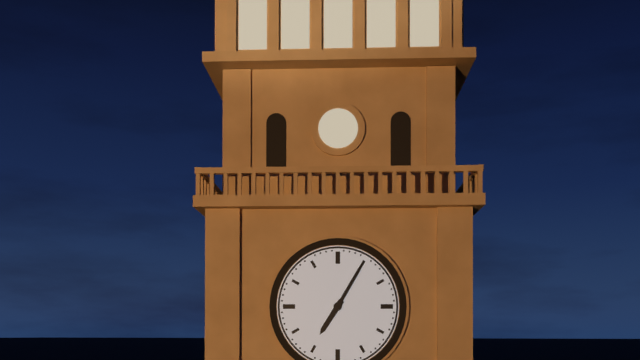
7.05
